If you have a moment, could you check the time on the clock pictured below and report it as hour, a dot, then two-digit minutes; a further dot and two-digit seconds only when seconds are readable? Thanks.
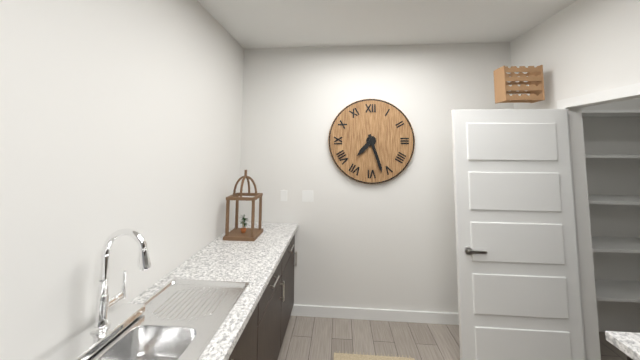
7.27
